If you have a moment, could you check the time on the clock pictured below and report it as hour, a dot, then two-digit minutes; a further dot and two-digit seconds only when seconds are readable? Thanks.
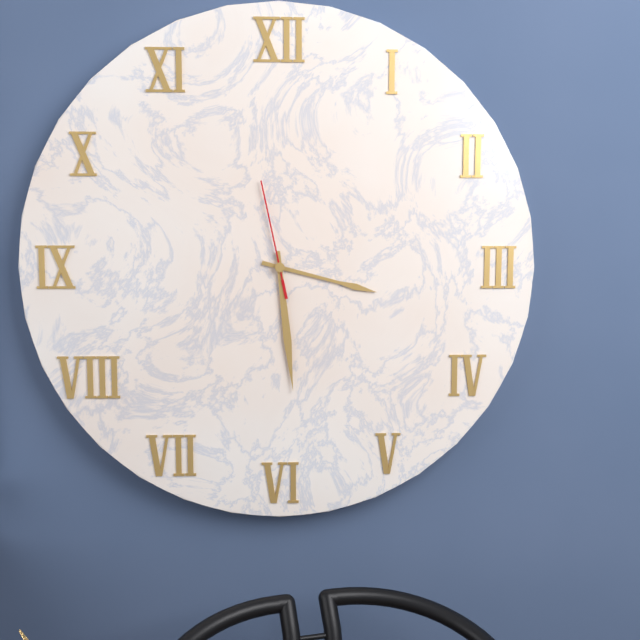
3.29.58
